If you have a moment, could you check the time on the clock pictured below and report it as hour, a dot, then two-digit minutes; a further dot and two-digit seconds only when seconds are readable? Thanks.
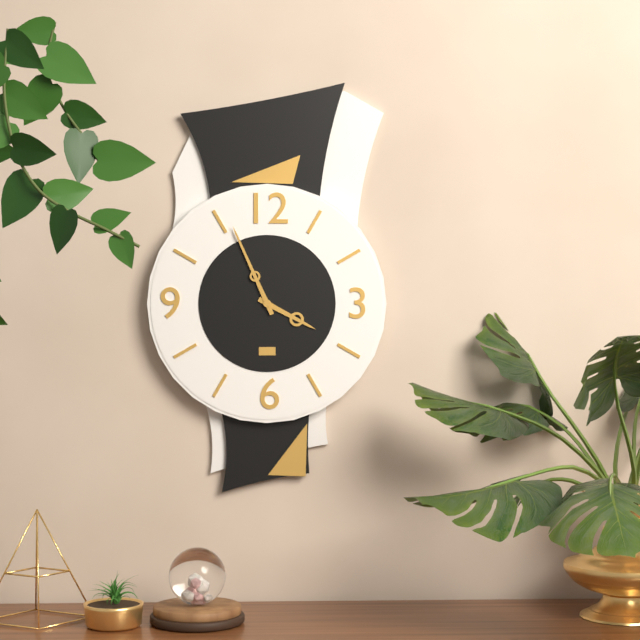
3.56
